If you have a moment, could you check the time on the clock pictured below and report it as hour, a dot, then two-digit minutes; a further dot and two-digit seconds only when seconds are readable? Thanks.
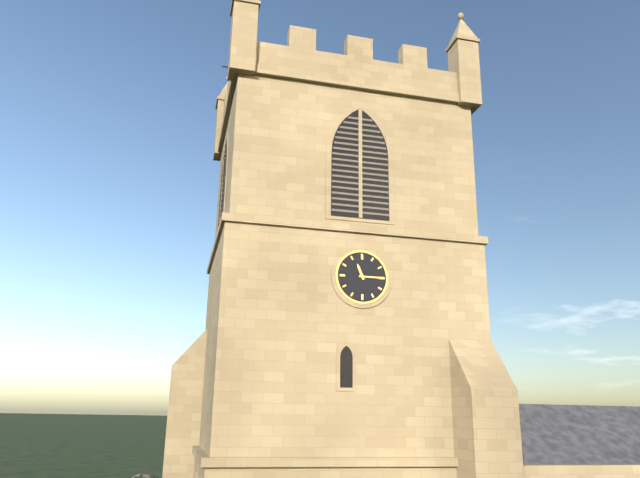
11.15
